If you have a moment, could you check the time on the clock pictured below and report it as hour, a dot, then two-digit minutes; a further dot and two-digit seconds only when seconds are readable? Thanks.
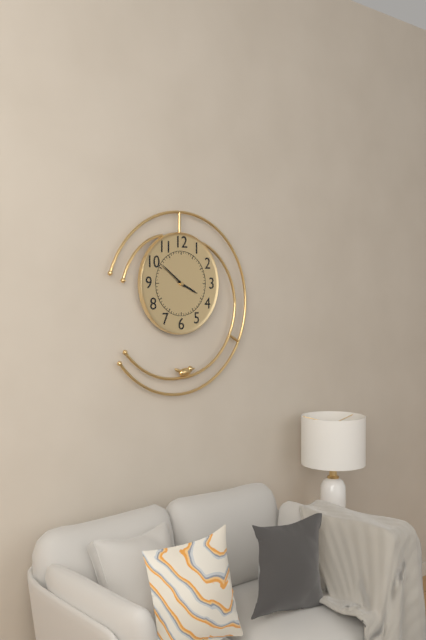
3.51
